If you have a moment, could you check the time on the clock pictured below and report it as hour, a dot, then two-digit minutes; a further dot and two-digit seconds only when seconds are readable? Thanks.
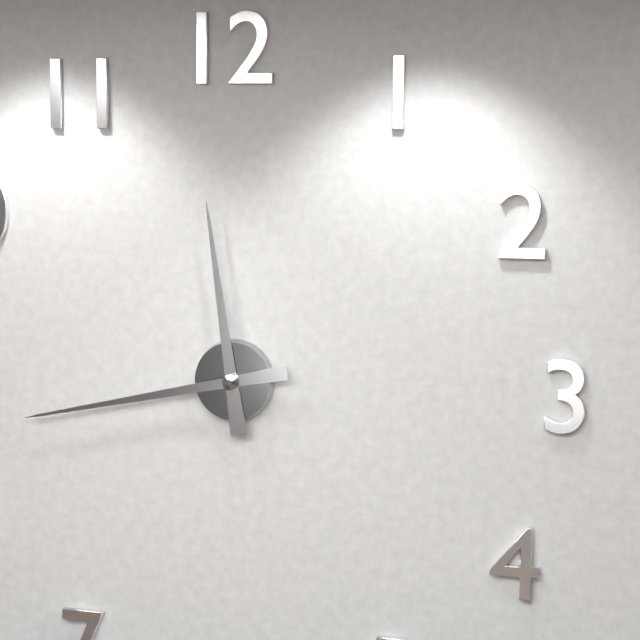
11.43
